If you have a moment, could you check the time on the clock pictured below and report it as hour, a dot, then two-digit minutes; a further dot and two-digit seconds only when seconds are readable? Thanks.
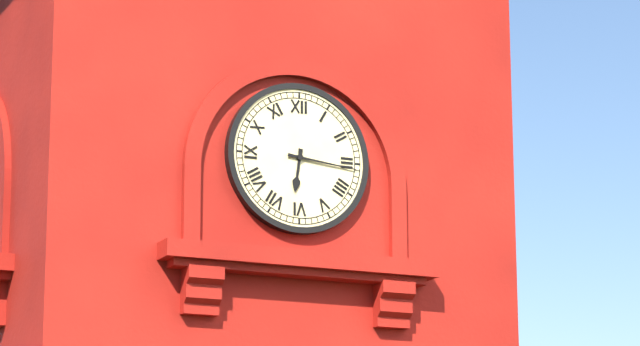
6.16
